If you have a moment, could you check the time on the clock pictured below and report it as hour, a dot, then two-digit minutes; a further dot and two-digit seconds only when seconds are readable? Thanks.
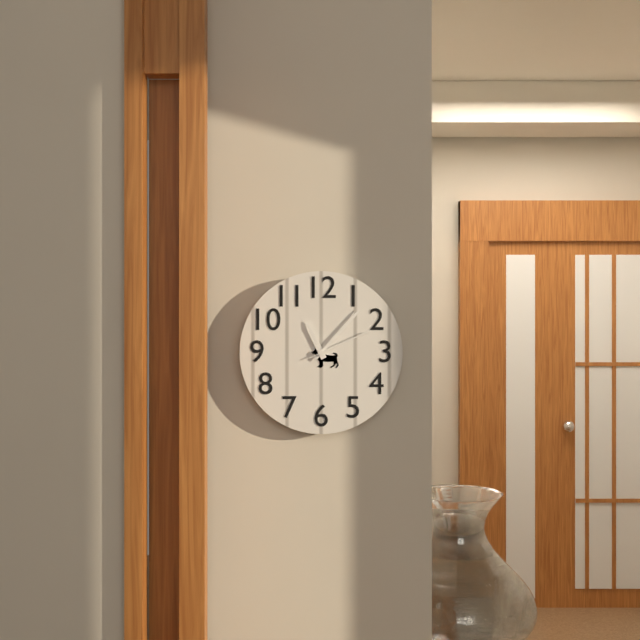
11.07.11
